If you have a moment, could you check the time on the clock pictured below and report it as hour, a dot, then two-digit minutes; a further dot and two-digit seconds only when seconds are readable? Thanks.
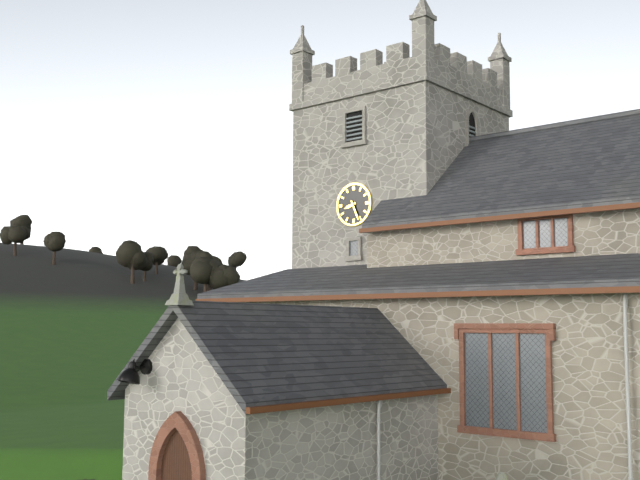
8.26
